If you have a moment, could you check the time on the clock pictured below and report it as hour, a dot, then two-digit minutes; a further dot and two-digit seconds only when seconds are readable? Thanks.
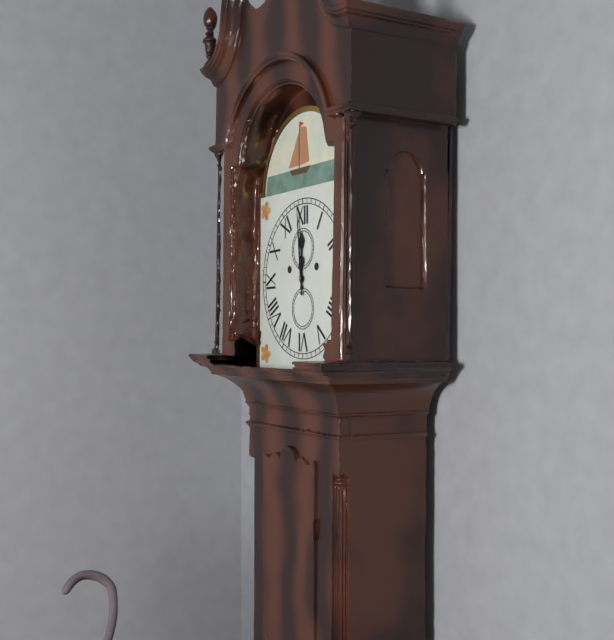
11.59
